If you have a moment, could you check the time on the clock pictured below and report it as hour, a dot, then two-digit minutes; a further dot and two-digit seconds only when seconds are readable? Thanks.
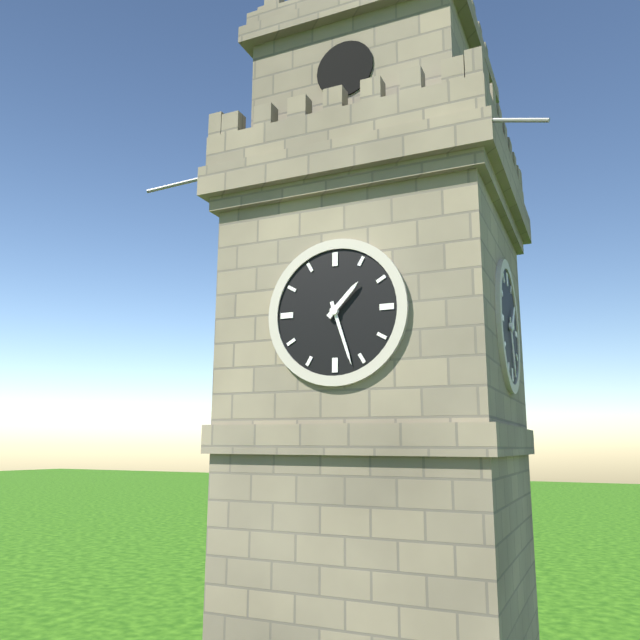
1.27
